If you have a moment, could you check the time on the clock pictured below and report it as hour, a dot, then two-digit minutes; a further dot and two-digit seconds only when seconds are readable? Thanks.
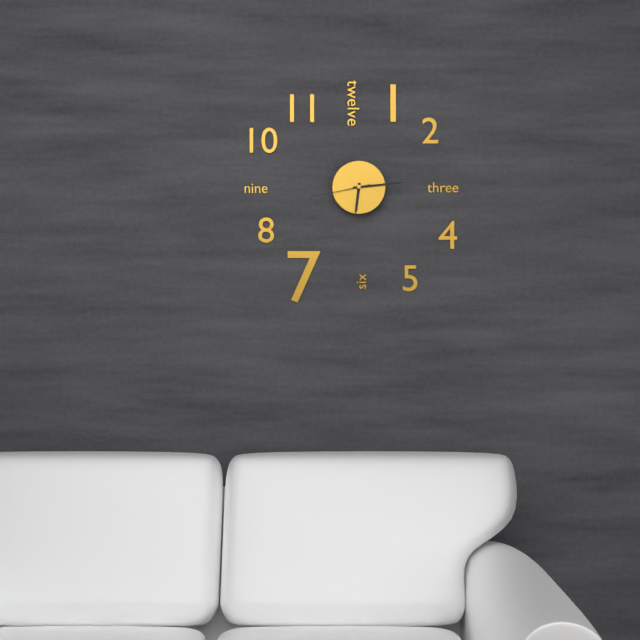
6.14.43
